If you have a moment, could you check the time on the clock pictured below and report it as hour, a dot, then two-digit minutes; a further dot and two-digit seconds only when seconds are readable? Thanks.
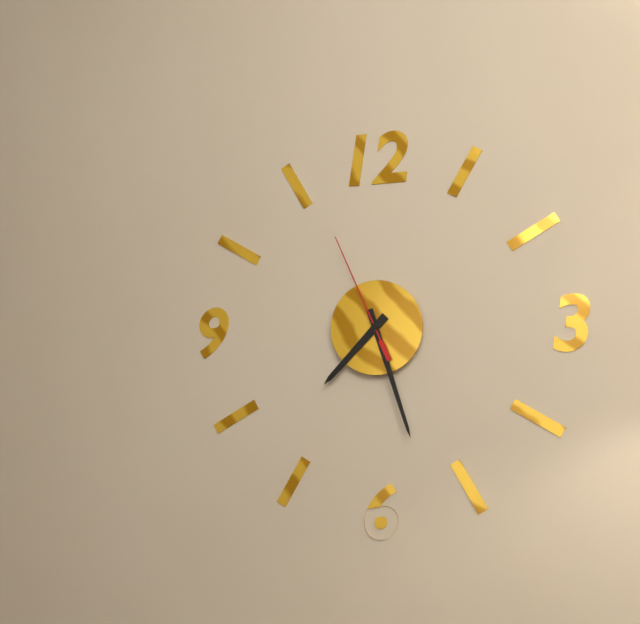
7.27.56
